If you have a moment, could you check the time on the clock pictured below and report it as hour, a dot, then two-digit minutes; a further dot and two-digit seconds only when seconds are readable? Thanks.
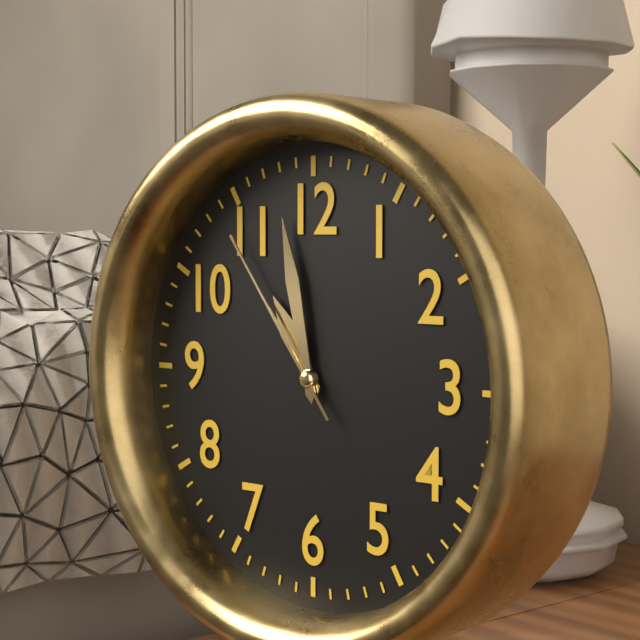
10.58.54
